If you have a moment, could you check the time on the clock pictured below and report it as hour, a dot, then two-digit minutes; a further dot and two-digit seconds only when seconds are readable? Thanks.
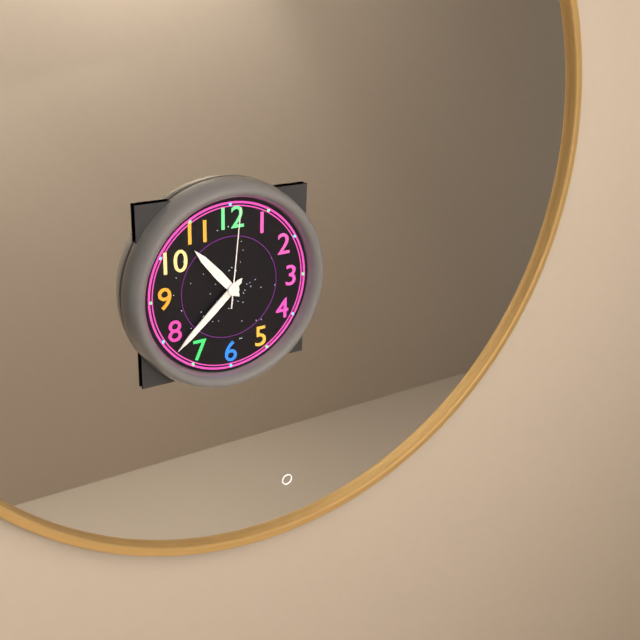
10.38.01
